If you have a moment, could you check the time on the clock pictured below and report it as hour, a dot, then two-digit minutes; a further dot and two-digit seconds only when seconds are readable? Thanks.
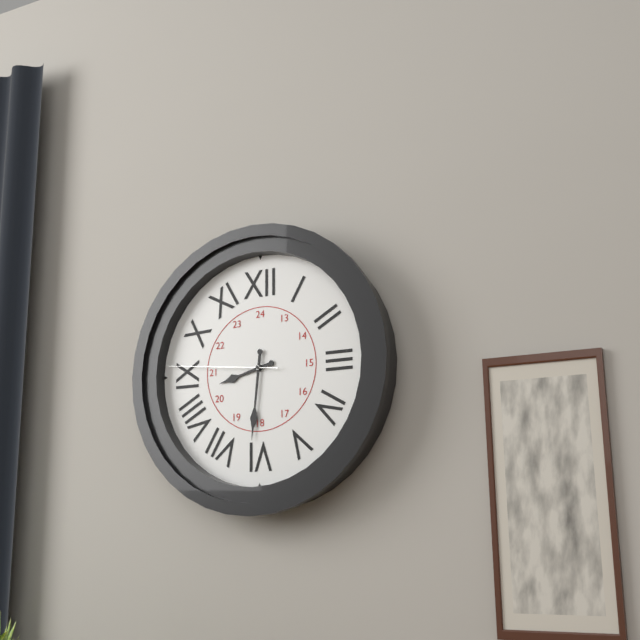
8.31.46
